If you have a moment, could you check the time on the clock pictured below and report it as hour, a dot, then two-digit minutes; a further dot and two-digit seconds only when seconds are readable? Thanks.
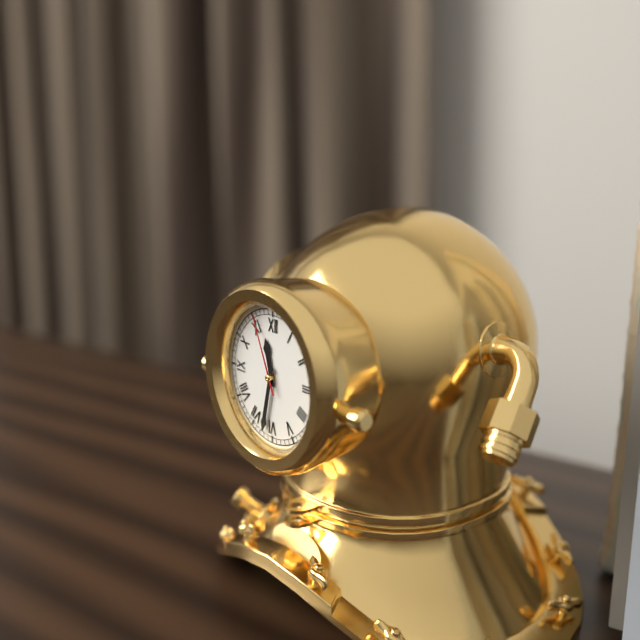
11.32.56
